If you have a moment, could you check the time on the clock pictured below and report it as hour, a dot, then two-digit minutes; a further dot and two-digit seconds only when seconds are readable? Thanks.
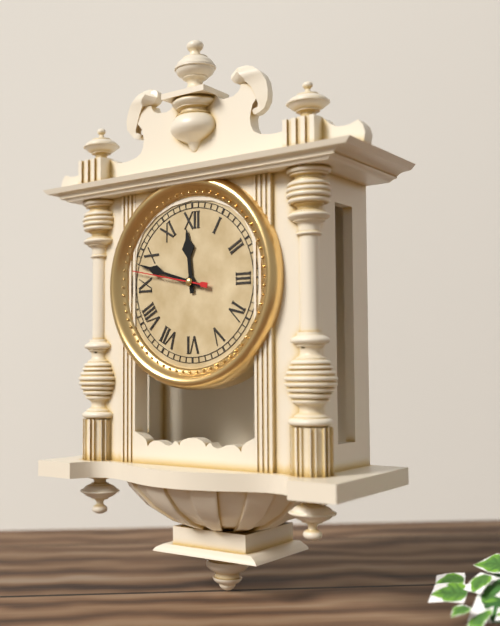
11.48.47
